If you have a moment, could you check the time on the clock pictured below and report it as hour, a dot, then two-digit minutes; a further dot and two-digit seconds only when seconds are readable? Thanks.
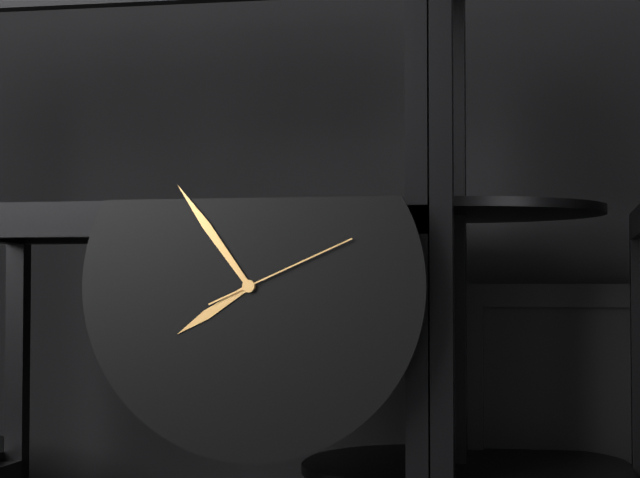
7.54.11
